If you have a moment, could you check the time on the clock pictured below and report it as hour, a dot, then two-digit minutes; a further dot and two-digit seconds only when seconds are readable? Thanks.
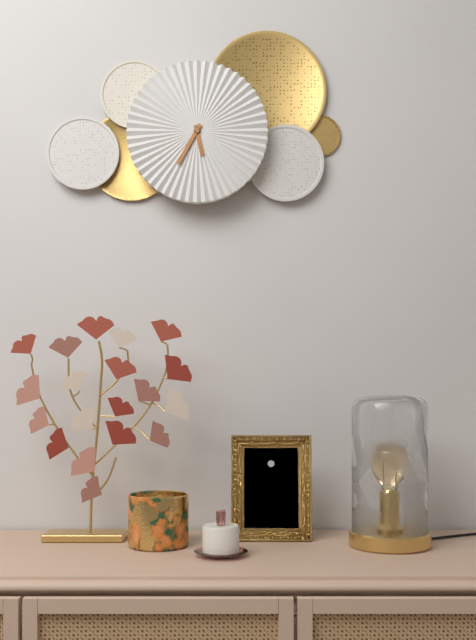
5.35
